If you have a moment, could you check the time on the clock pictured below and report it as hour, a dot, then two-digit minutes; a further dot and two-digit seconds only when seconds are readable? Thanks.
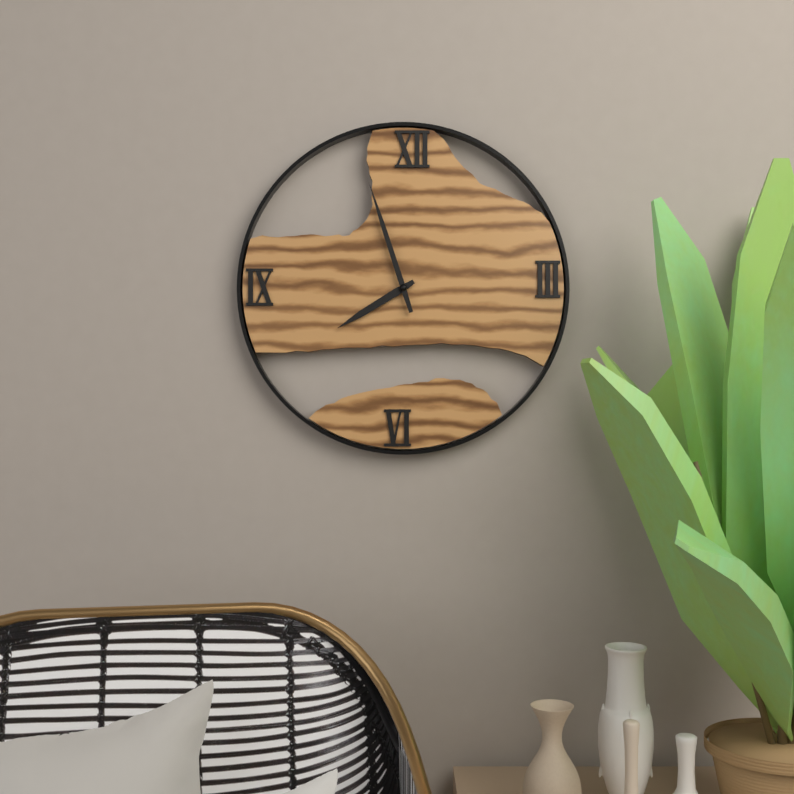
7.57
